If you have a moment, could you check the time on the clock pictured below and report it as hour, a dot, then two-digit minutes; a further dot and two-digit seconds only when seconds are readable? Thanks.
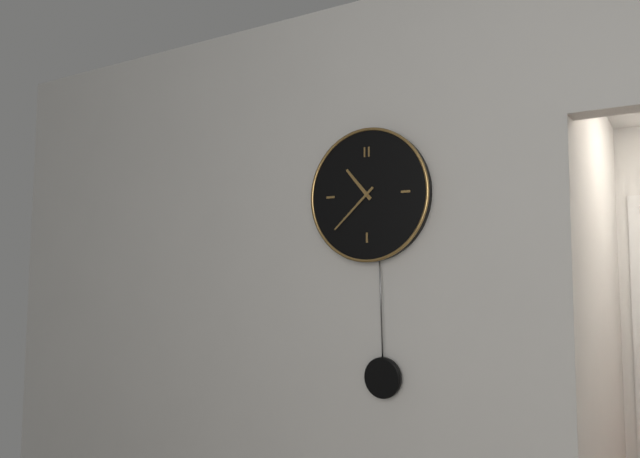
10.38
